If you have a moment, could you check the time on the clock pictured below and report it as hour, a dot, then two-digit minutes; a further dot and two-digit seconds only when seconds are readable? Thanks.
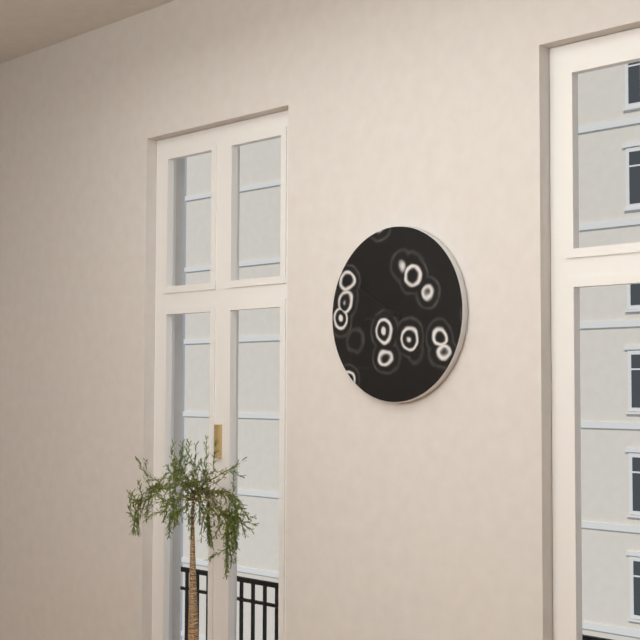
8.50
